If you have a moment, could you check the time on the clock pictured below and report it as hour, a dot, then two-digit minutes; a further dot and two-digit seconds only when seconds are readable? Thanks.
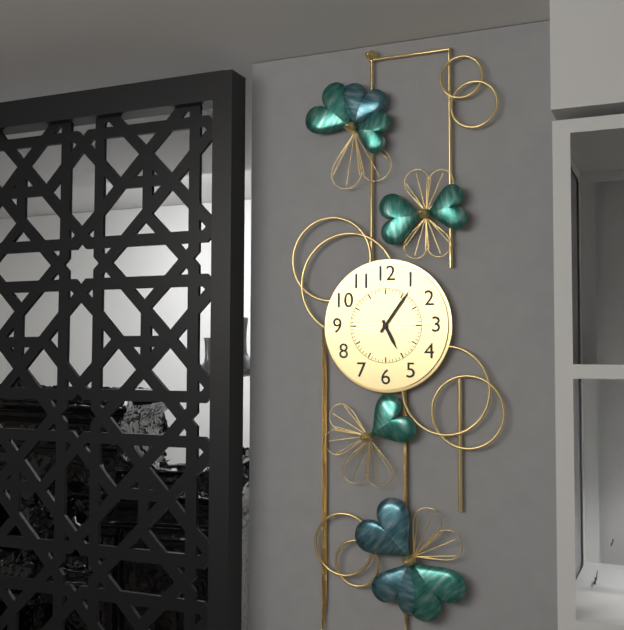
5.06
